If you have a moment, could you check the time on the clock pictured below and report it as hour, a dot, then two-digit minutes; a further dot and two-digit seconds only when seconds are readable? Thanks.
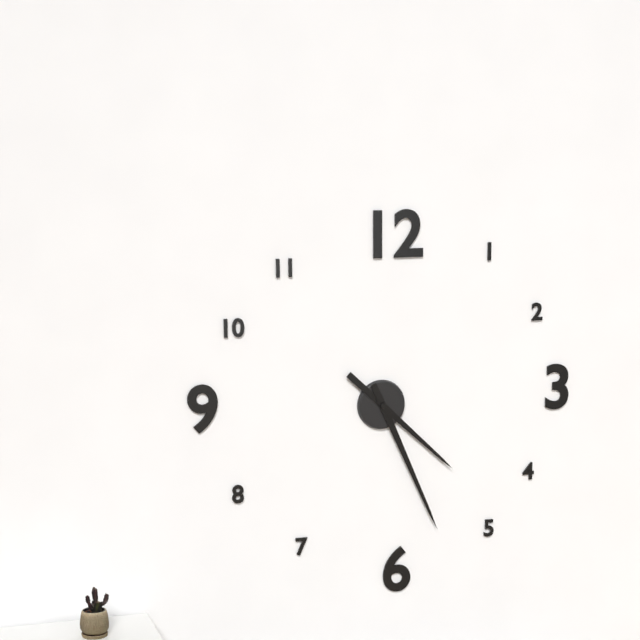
4.26
